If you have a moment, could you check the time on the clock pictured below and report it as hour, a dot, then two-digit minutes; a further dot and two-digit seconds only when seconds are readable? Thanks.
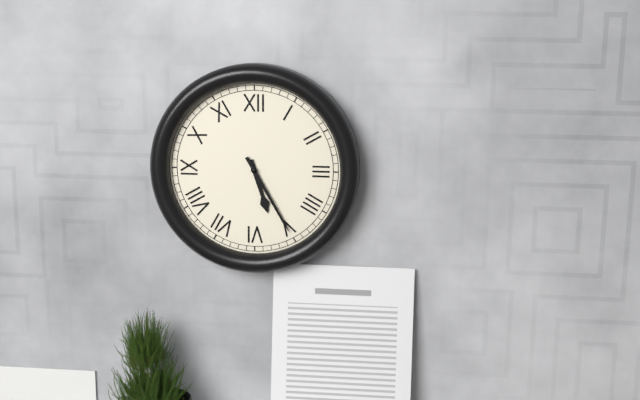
5.25
